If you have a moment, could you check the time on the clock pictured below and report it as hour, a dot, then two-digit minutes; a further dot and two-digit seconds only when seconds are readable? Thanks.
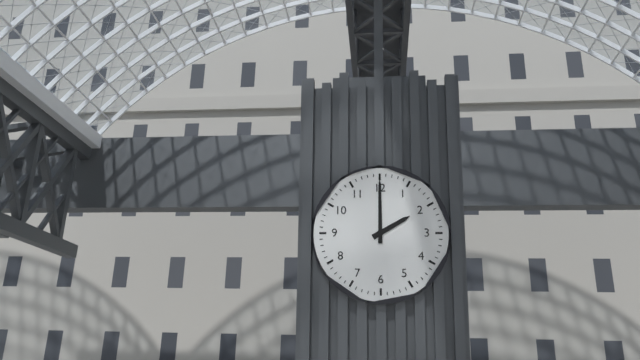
2.00
